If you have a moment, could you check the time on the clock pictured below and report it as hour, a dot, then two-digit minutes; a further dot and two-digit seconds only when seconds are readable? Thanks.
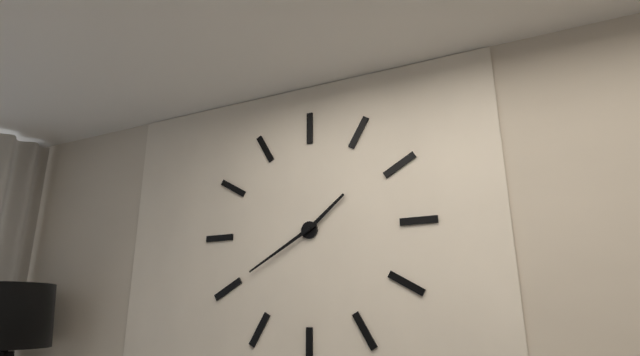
1.40
